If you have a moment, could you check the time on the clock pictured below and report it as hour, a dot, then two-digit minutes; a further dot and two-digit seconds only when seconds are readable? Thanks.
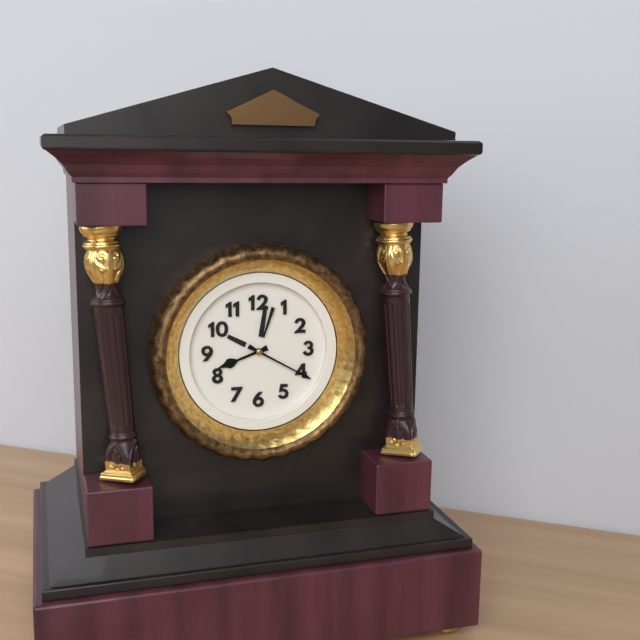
8.20
